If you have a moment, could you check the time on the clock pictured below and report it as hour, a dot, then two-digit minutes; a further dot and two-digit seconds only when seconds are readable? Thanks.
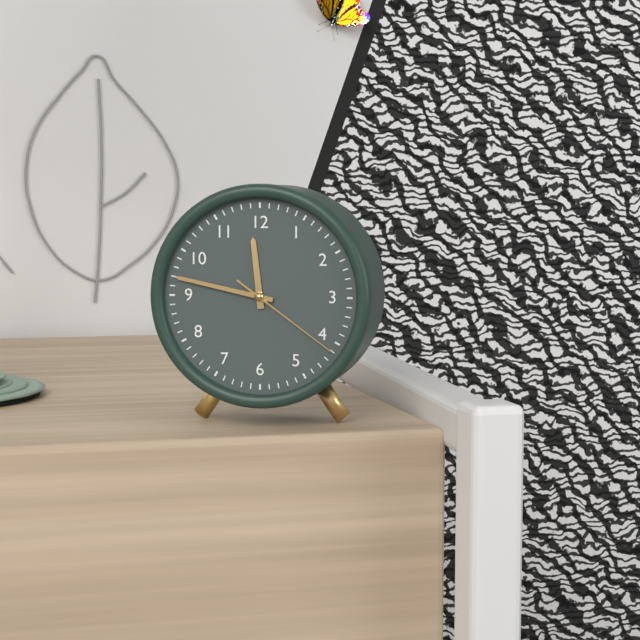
11.47.21
